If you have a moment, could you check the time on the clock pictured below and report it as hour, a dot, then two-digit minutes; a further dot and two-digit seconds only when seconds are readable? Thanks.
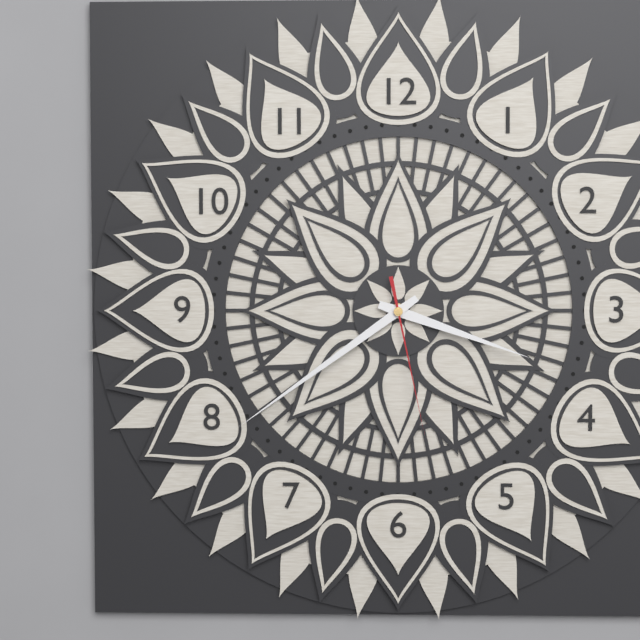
3.39.28
